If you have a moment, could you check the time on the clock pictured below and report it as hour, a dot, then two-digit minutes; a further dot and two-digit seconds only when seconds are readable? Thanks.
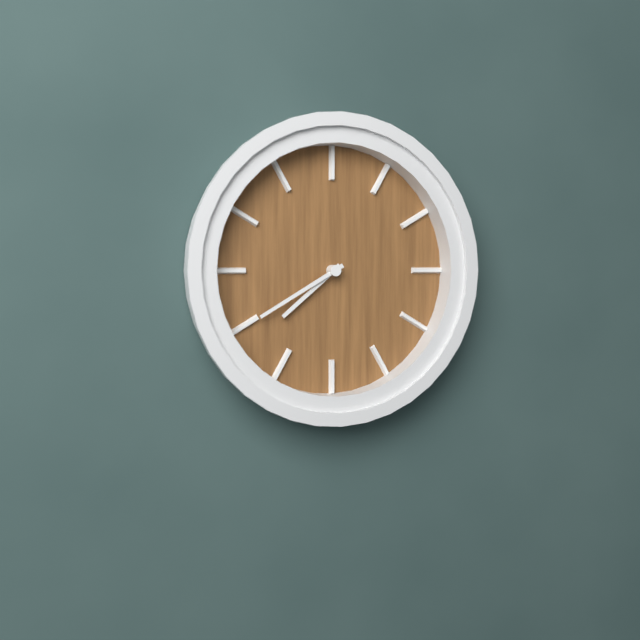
7.40
